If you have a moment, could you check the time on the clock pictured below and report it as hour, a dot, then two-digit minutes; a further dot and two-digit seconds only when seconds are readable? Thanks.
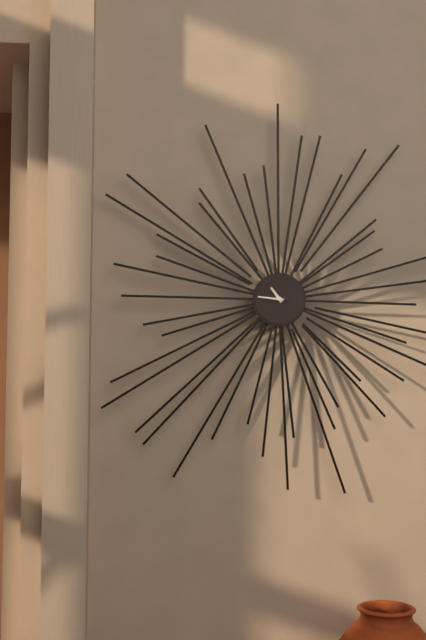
10.46
